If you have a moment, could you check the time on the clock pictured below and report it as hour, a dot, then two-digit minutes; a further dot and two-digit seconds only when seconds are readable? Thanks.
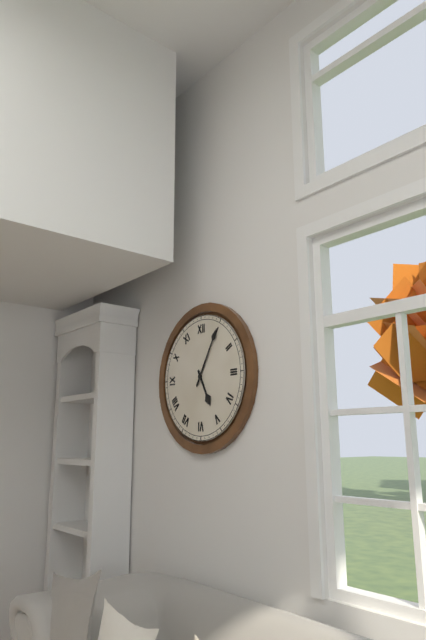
5.05
